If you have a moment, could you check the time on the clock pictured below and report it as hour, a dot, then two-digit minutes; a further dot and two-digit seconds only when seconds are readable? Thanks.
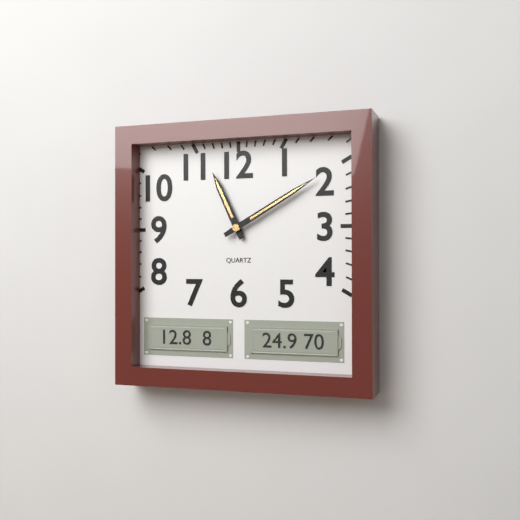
11.10
